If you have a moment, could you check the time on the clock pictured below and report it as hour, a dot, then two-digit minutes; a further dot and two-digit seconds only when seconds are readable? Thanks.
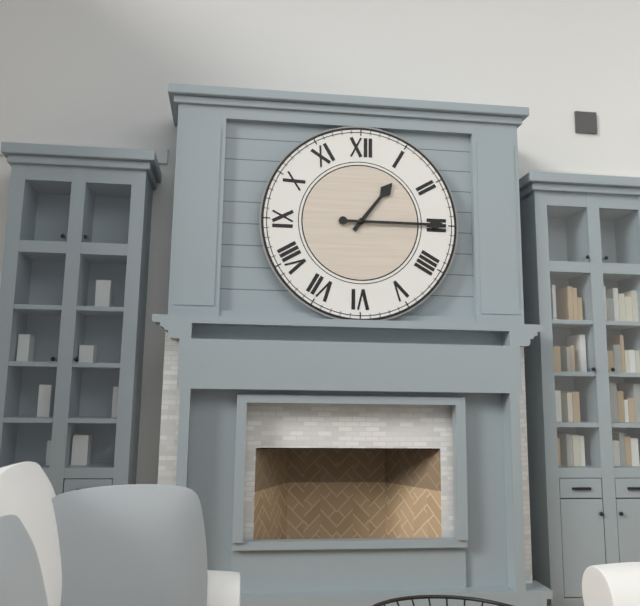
1.15
